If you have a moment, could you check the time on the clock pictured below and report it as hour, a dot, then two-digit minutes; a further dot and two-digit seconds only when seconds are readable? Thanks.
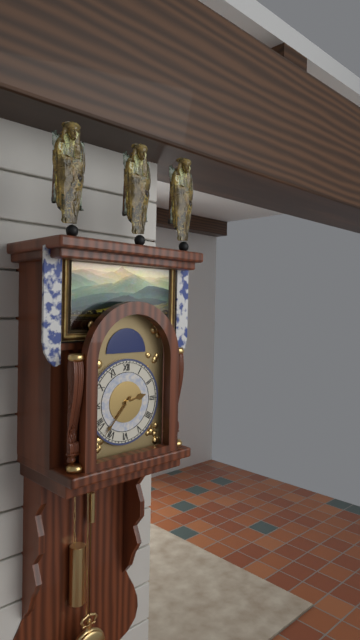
2.37
